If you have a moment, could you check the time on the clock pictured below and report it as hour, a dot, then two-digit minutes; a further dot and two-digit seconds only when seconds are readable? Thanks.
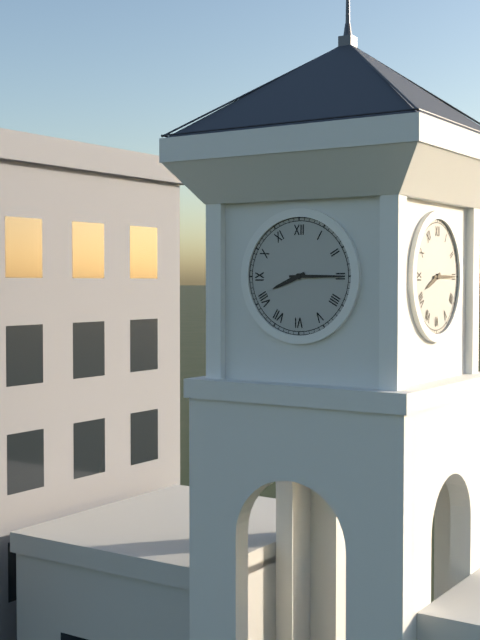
8.15
